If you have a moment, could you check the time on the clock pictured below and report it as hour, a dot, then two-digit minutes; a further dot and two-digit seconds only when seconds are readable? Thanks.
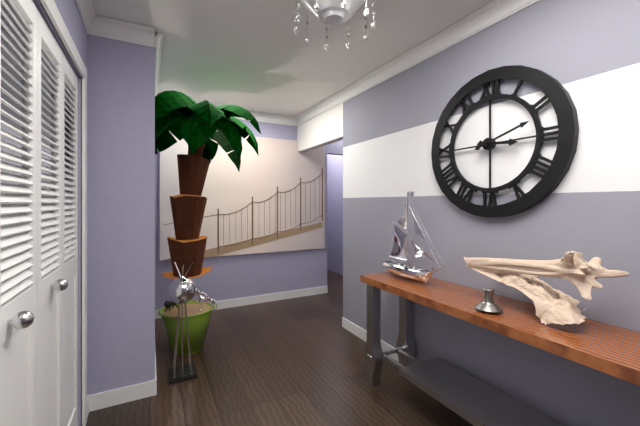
3.12
